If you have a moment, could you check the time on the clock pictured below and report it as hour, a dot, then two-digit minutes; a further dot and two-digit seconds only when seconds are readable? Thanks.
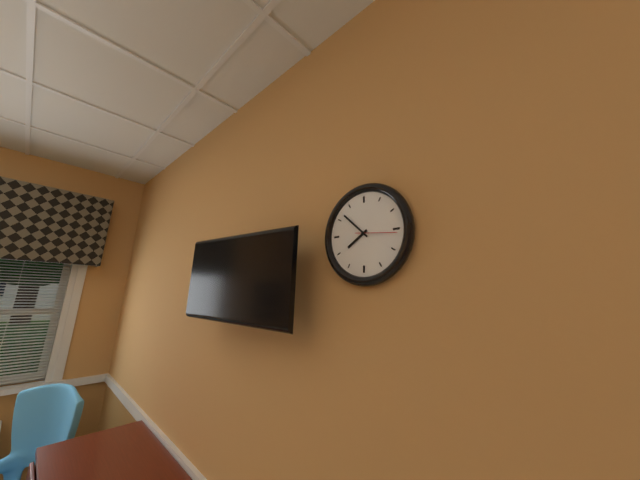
7.52
